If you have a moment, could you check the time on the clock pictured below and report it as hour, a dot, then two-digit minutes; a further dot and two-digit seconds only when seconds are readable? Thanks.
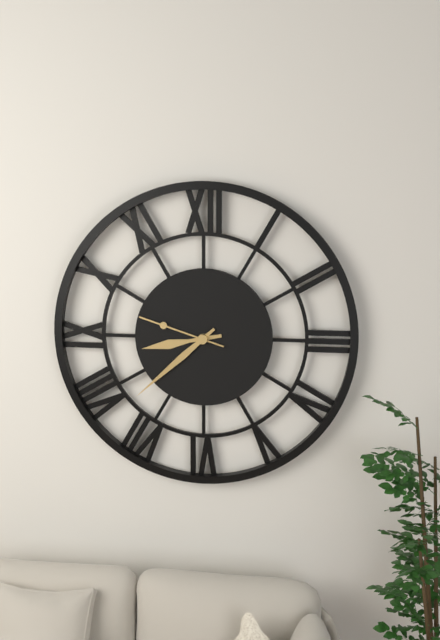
8.38.48
